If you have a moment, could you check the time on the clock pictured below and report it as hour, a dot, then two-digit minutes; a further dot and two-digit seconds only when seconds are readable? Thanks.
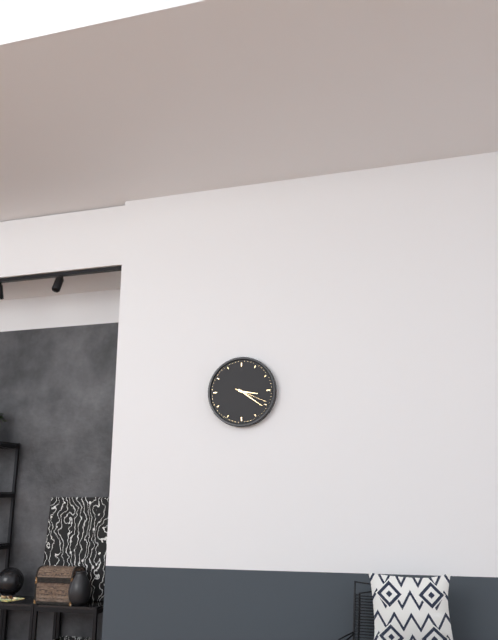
3.21
